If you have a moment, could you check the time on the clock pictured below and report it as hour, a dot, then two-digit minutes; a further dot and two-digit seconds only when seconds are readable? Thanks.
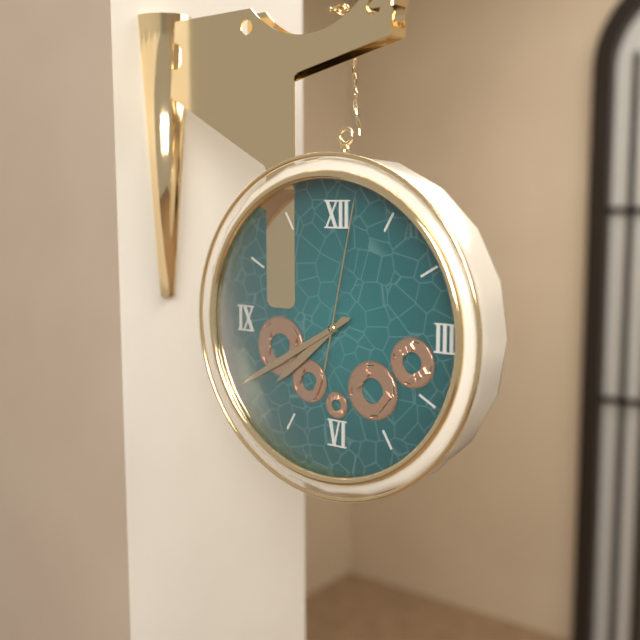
7.40.02
